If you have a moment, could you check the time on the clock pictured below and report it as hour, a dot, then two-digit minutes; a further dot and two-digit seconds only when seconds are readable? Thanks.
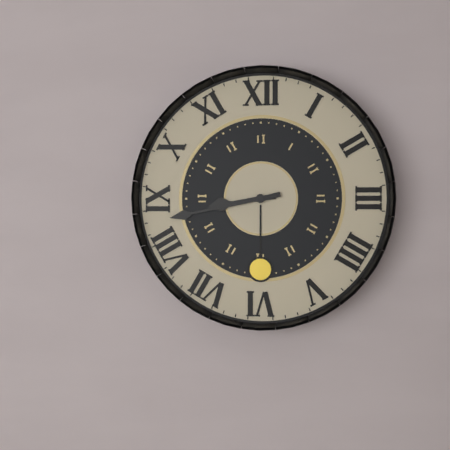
8.43
